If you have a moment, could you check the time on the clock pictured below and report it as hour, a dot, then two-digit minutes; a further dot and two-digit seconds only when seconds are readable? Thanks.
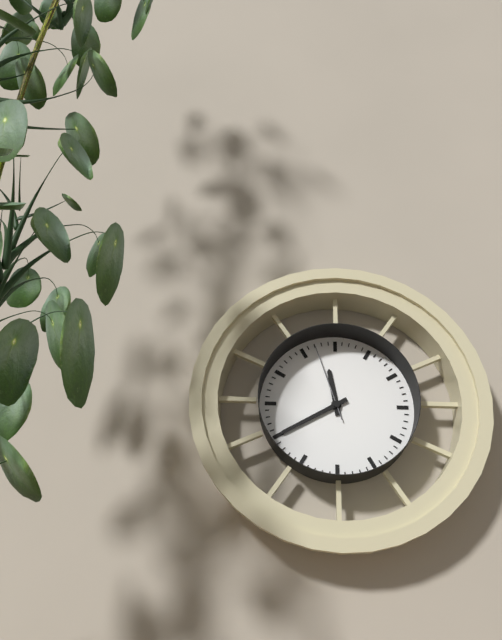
11.40.57
